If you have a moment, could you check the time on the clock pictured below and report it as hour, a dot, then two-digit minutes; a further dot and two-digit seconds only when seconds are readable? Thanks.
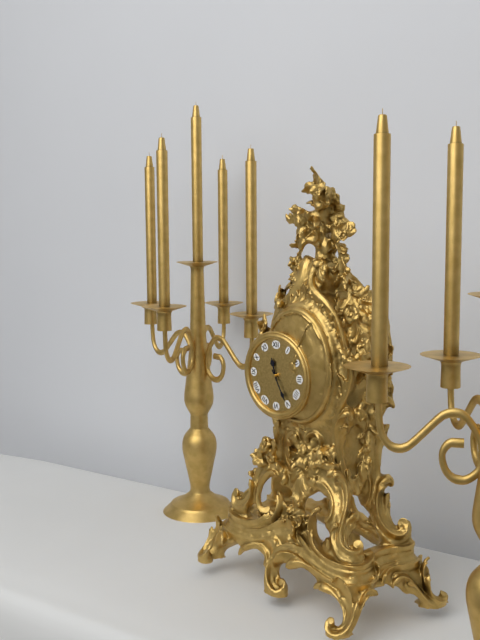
11.25
